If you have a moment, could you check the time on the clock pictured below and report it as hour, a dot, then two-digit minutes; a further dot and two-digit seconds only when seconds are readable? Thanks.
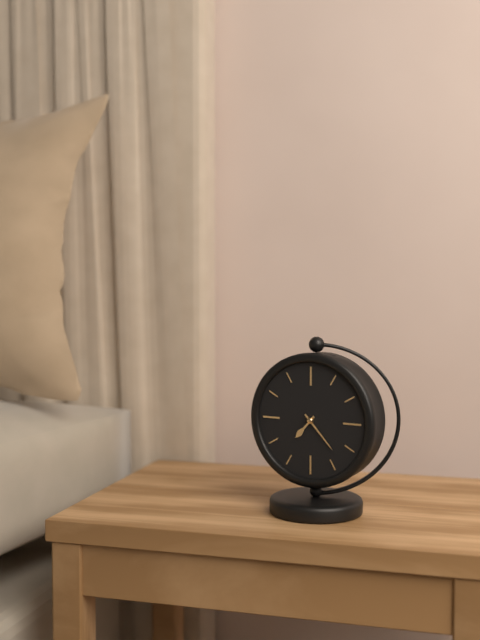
7.23
